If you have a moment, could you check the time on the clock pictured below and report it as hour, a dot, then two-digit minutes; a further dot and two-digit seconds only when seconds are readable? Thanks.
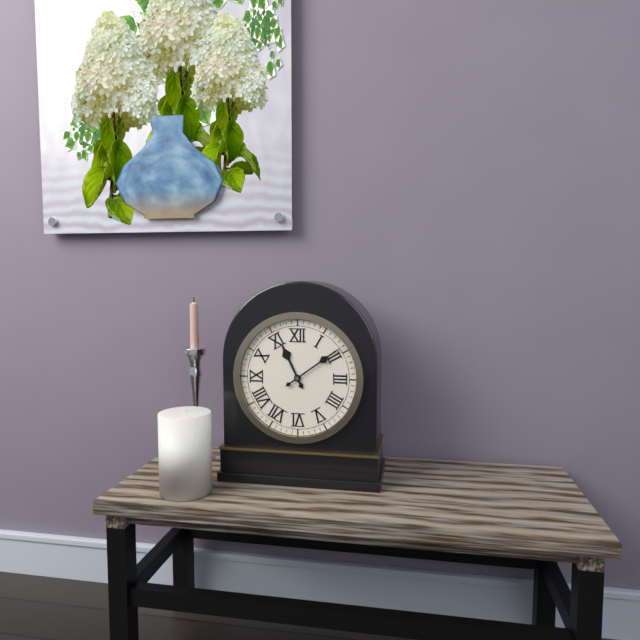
11.09
